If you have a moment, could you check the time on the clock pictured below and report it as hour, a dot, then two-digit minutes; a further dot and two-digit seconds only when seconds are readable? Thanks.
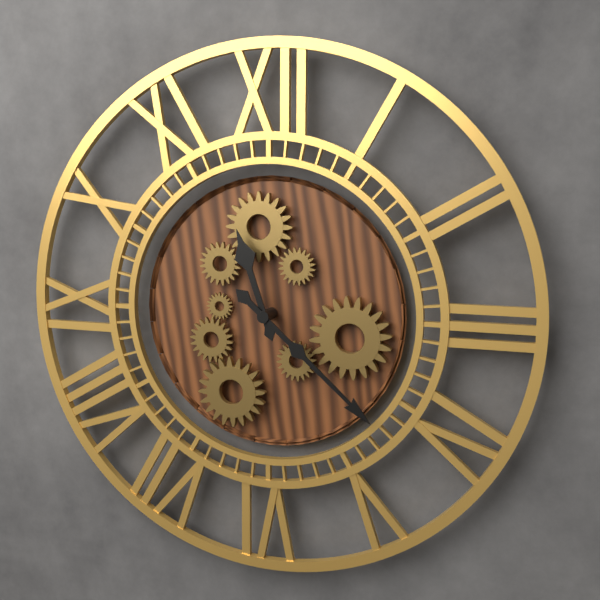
11.22
